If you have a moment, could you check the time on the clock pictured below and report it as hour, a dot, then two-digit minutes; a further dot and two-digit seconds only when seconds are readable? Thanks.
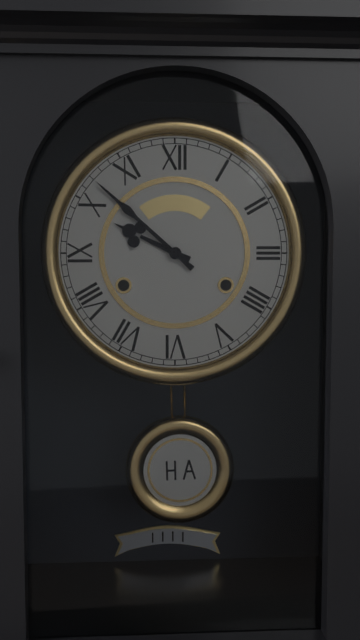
9.52
